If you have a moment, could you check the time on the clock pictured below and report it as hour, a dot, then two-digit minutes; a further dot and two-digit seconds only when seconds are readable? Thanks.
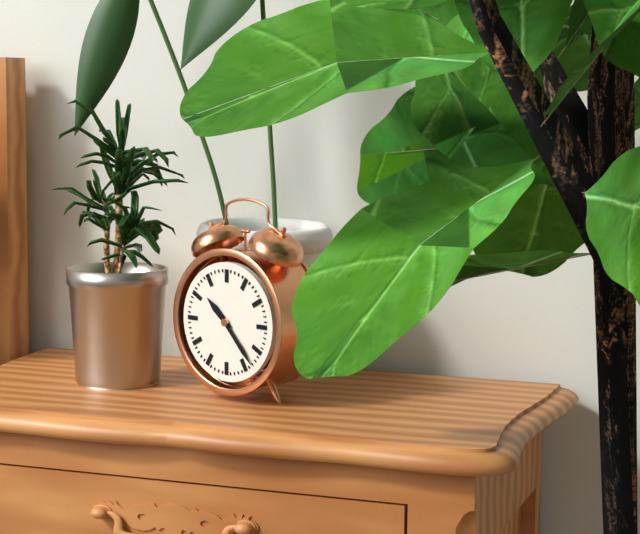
10.23
